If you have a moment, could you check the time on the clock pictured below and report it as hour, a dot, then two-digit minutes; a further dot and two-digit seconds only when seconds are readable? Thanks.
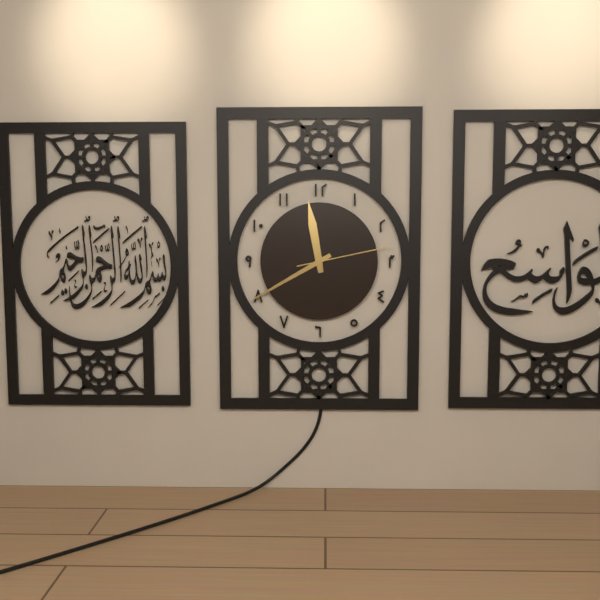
11.40.13
